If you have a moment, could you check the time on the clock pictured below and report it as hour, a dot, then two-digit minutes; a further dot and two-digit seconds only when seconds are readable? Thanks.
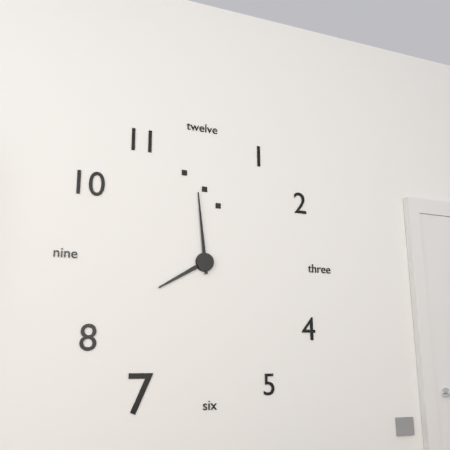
7.59
